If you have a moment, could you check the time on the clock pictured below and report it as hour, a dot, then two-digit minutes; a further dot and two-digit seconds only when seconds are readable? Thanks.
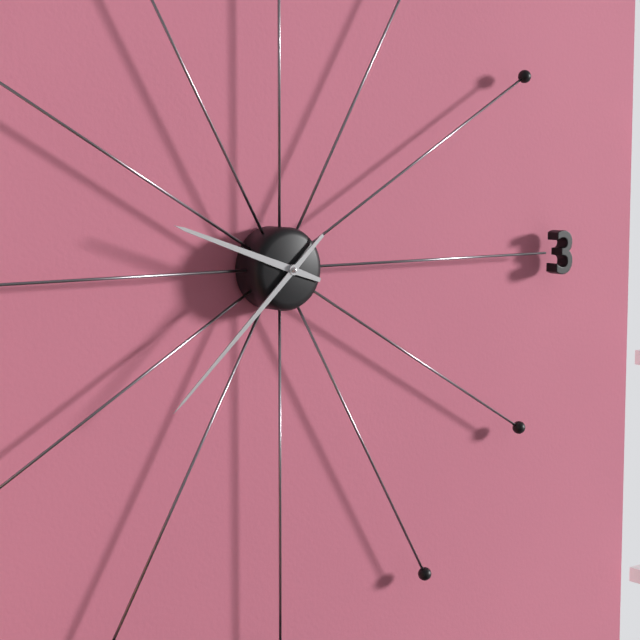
9.38
